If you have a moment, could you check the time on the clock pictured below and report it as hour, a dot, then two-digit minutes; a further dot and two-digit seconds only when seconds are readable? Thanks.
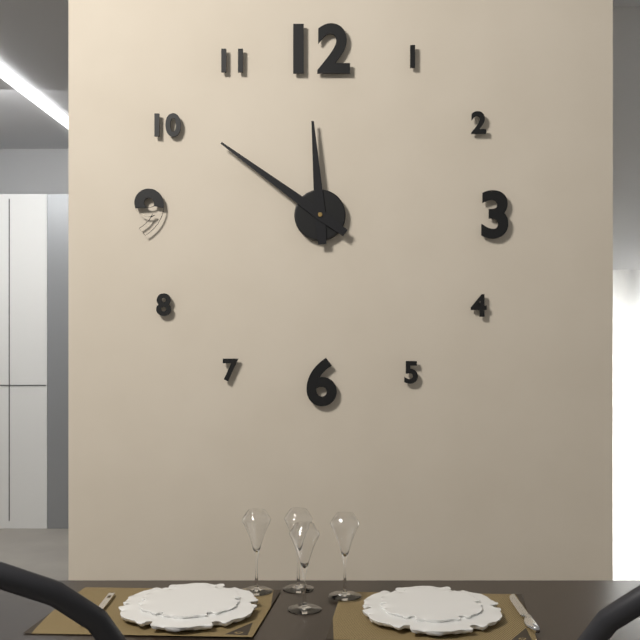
11.51
